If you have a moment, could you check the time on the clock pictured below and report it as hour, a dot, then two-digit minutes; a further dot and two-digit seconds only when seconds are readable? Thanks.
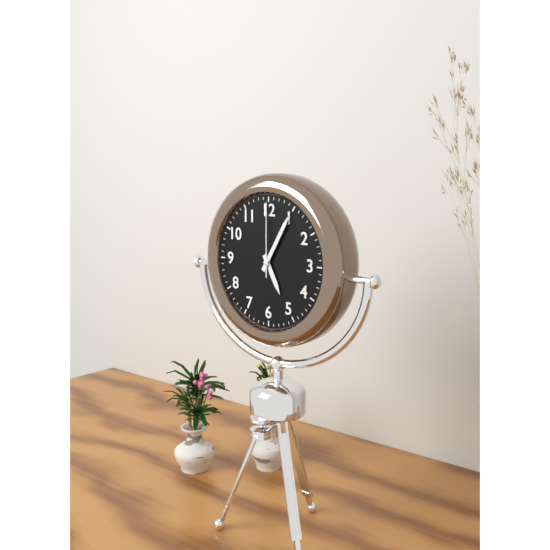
5.05.00
